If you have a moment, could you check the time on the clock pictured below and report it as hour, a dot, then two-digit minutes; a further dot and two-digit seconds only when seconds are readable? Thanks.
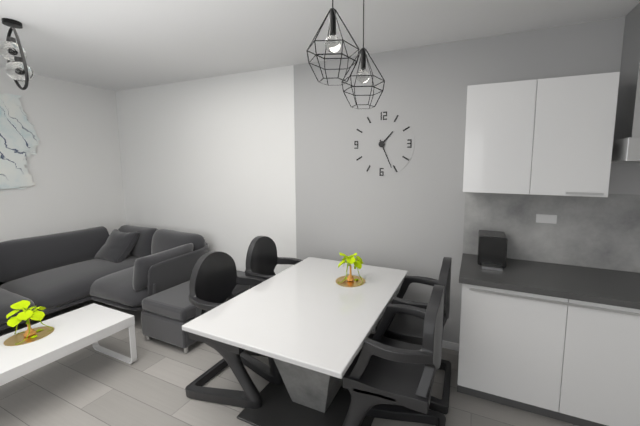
1.26
